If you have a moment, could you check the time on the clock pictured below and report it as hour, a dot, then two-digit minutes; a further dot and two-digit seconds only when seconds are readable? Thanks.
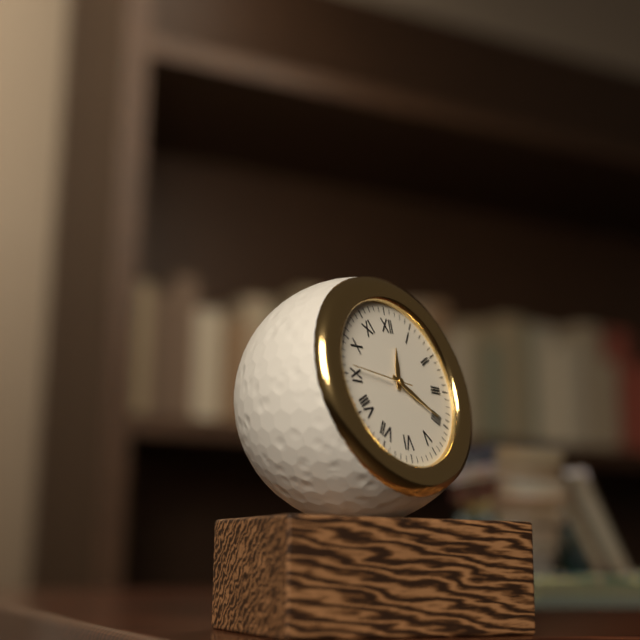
12.20.46
